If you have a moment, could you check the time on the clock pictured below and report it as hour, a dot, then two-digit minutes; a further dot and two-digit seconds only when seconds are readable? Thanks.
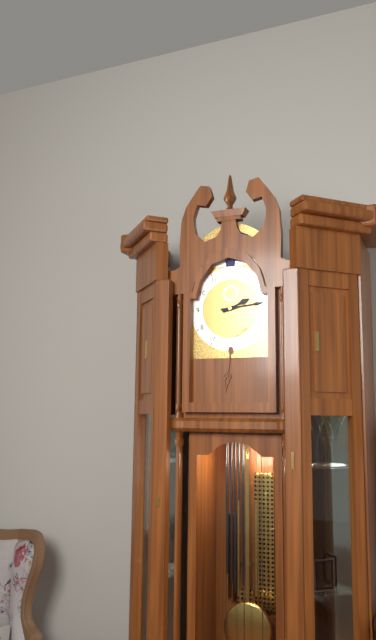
2.14
